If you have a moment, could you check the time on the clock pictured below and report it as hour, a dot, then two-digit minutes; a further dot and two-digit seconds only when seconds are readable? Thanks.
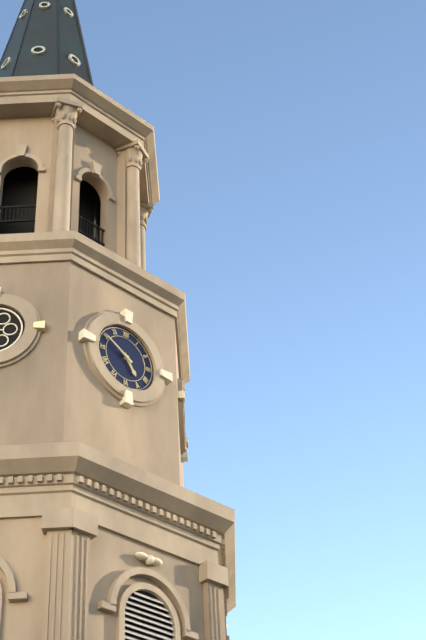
4.50
